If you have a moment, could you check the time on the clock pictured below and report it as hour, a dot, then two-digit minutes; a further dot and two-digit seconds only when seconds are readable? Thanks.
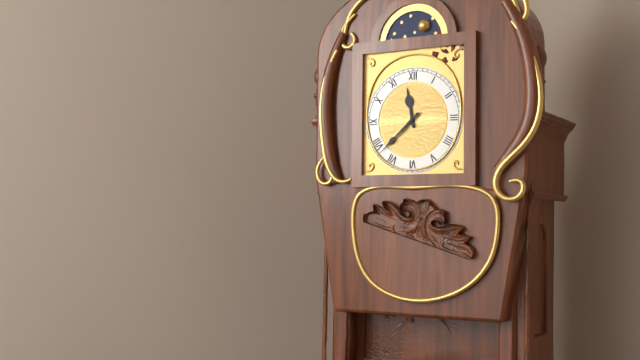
11.38
